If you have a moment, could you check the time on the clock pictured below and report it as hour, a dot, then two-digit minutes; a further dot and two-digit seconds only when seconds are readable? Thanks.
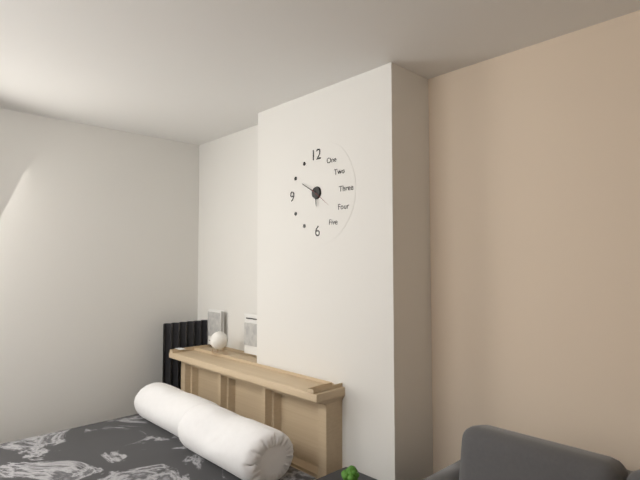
5.50
